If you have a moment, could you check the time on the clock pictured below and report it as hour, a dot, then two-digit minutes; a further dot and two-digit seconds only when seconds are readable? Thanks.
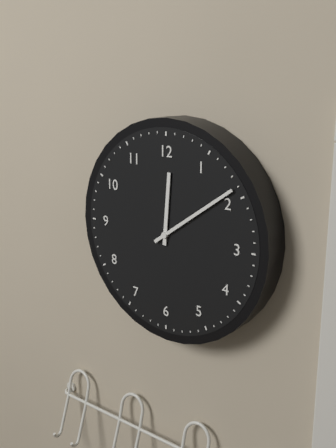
12.09
